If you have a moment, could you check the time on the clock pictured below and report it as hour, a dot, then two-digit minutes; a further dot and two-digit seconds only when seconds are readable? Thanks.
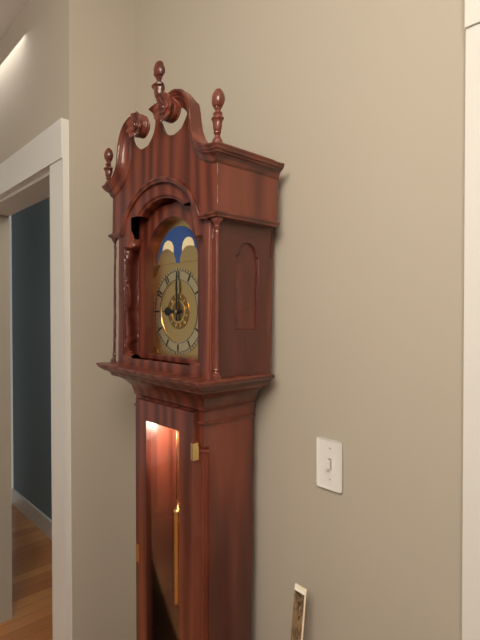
9.00
